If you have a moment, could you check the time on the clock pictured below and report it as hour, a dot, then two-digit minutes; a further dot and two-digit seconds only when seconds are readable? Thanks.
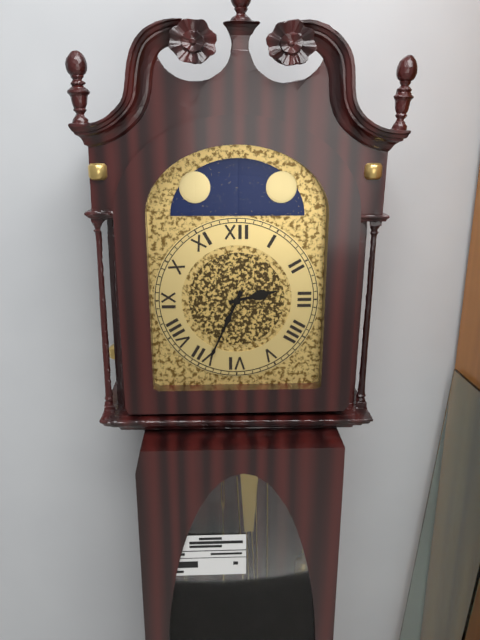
2.34
